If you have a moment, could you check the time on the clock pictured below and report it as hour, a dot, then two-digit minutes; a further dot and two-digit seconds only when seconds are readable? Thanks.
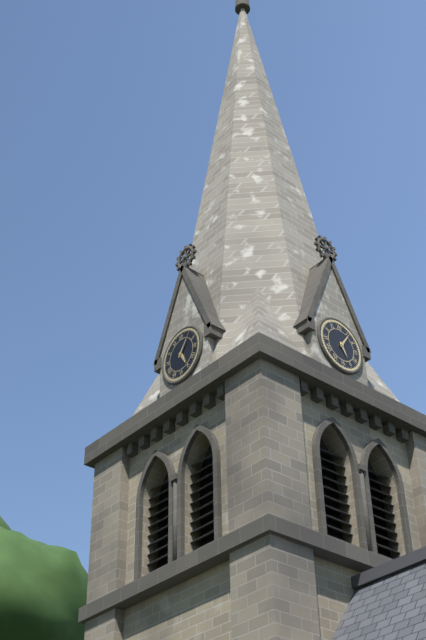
5.06
